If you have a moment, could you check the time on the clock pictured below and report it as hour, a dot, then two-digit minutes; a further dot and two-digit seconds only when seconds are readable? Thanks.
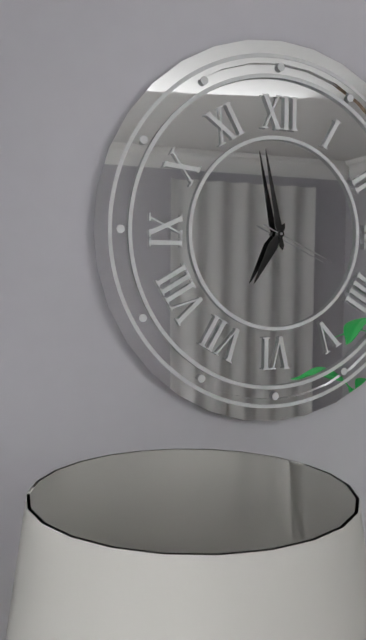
6.58.19
